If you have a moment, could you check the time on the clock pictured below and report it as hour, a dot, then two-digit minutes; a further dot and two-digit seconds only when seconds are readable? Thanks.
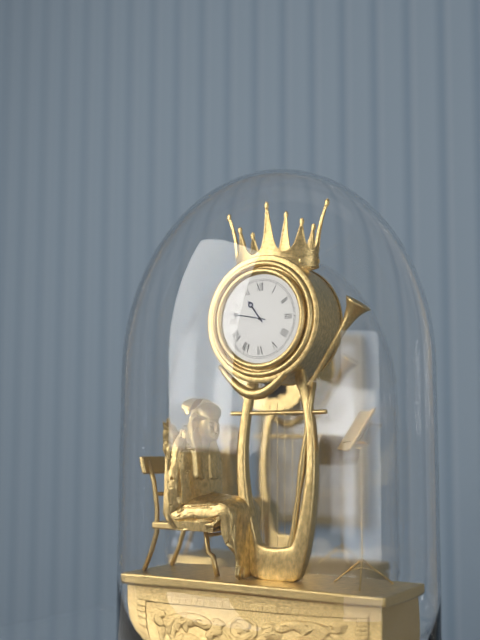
10.47
